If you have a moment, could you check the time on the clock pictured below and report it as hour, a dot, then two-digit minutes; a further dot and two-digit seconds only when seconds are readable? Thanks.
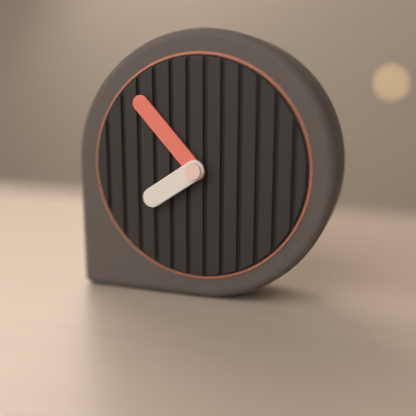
7.53
